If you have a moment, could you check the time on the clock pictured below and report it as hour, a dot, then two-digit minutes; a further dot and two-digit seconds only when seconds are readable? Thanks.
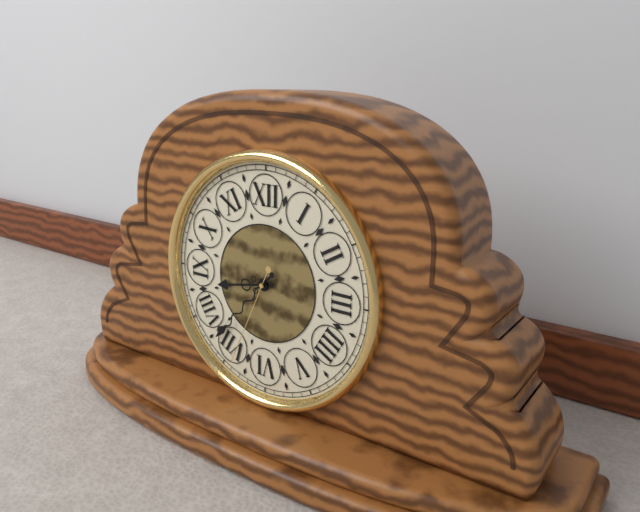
8.37.34
